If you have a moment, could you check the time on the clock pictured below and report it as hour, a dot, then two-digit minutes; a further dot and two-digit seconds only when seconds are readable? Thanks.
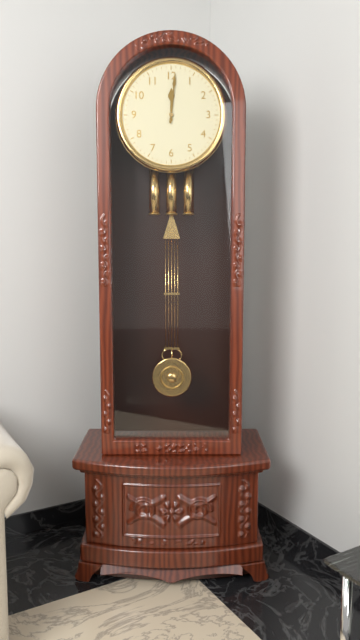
12.01
